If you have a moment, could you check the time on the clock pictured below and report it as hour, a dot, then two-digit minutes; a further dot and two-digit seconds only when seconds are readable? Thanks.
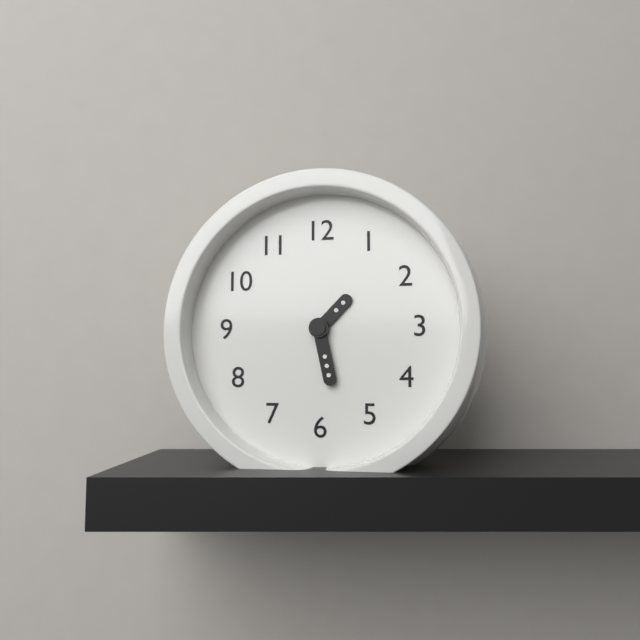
1.28
